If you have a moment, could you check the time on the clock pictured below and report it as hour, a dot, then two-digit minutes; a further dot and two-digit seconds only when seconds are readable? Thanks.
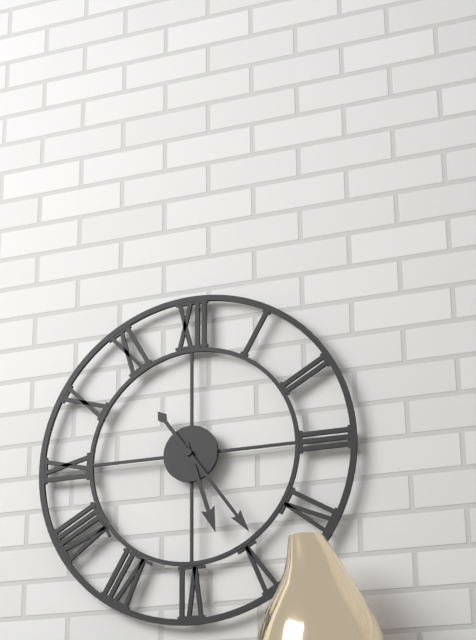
5.24
